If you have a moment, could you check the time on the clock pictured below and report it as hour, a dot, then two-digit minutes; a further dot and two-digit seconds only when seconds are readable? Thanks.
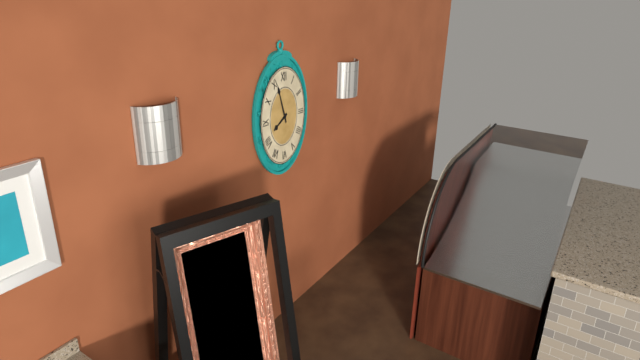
7.57
